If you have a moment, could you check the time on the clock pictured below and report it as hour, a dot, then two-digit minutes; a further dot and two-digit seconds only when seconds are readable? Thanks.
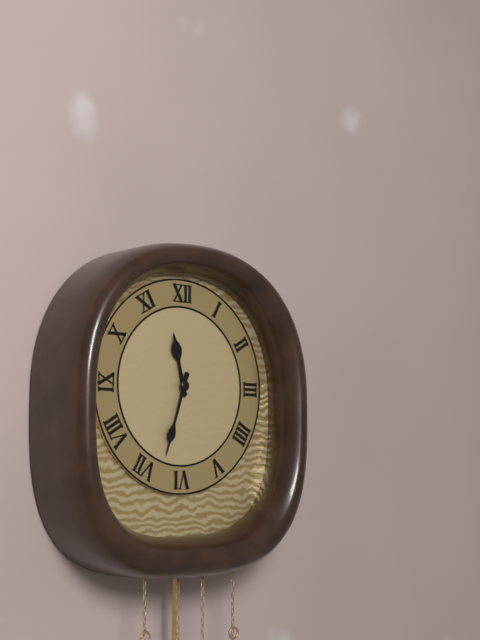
11.33
